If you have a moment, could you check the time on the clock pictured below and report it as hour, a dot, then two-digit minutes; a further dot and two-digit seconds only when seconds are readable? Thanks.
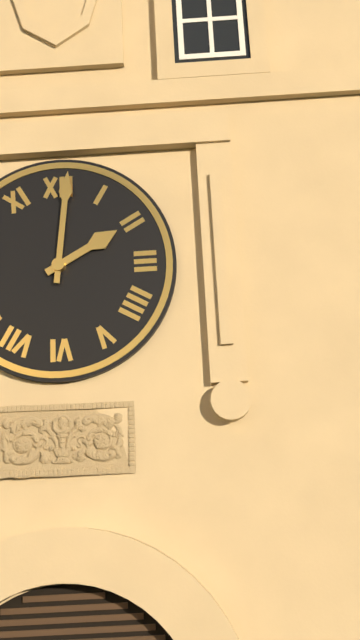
2.01
